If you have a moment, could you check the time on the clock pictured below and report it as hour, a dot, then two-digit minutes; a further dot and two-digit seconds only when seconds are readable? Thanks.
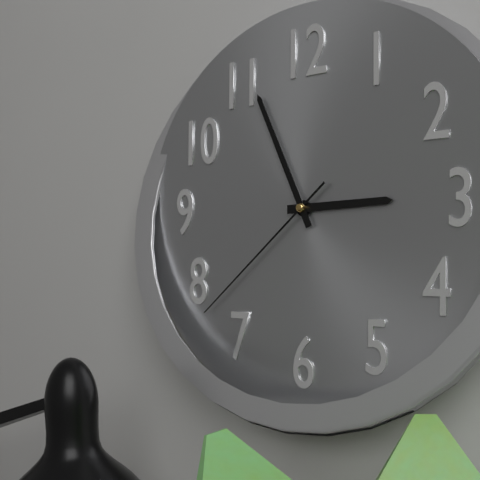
2.56.38
